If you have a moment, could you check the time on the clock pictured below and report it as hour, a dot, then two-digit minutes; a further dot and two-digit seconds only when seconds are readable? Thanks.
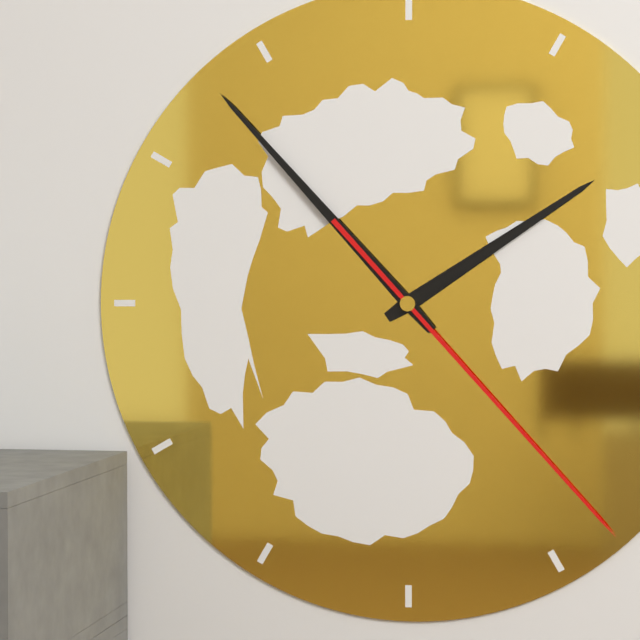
1.53.23
